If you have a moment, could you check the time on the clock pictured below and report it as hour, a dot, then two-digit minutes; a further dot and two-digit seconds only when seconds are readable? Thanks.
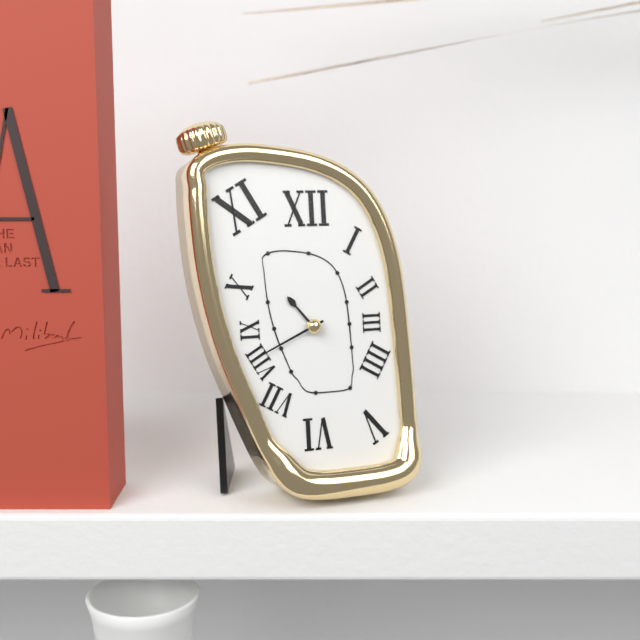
10.41
